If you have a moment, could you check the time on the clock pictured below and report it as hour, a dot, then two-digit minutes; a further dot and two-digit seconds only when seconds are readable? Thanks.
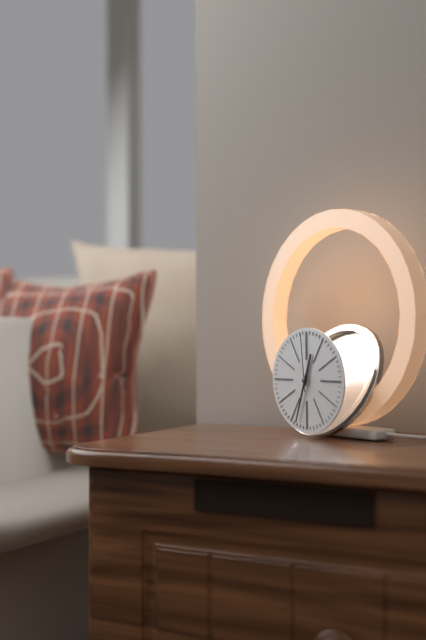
12.33.59
